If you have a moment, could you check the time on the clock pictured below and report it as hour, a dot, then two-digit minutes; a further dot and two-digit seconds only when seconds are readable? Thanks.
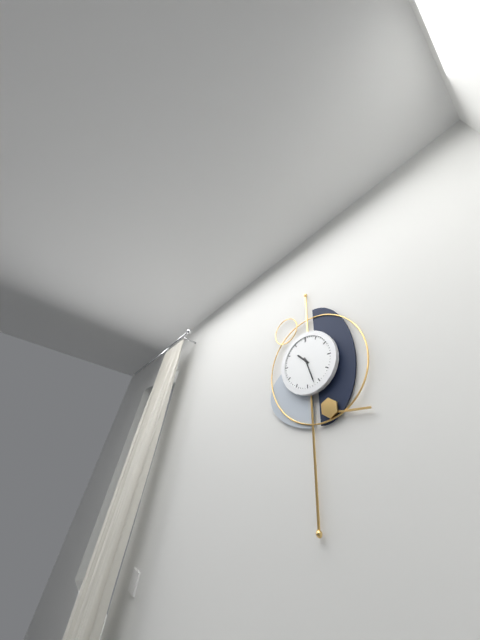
10.27
